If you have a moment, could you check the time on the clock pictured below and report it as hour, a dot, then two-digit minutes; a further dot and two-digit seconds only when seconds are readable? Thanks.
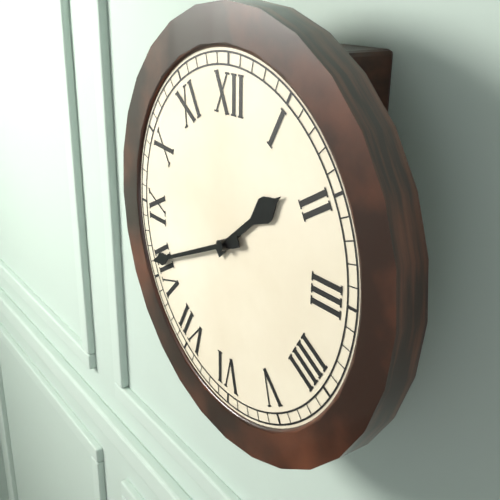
1.41
